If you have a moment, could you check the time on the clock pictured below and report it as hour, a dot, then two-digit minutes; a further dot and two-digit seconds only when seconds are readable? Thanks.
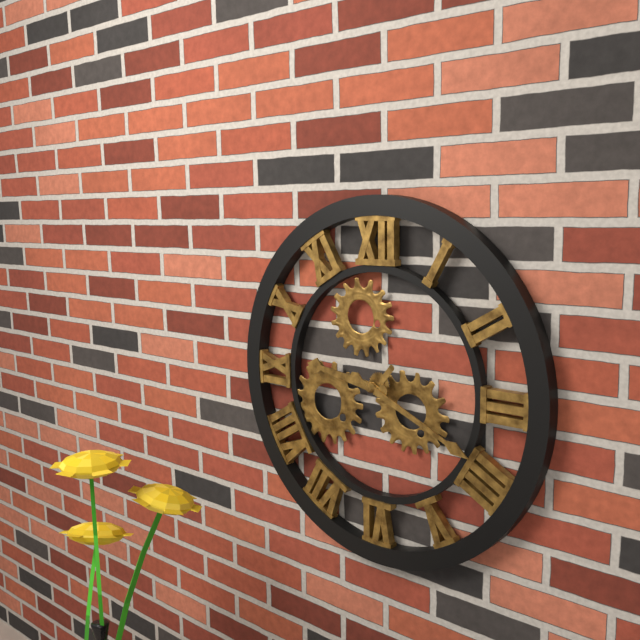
9.19
